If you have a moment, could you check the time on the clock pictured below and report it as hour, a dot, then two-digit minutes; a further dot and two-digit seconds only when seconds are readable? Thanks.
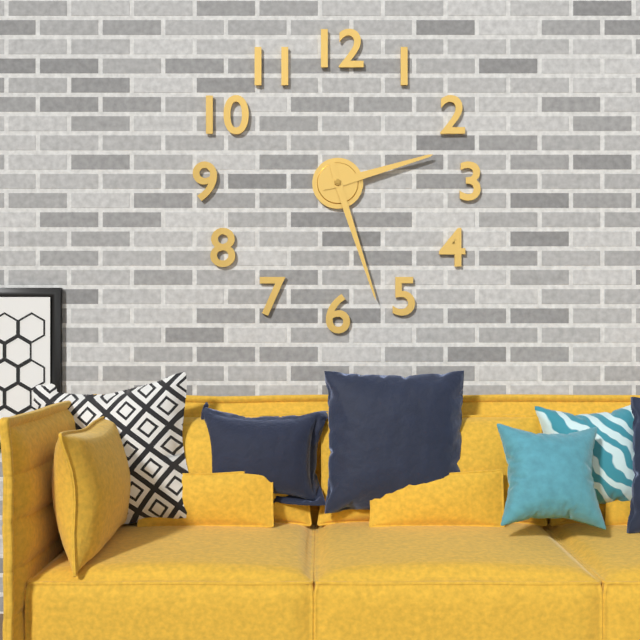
2.27
